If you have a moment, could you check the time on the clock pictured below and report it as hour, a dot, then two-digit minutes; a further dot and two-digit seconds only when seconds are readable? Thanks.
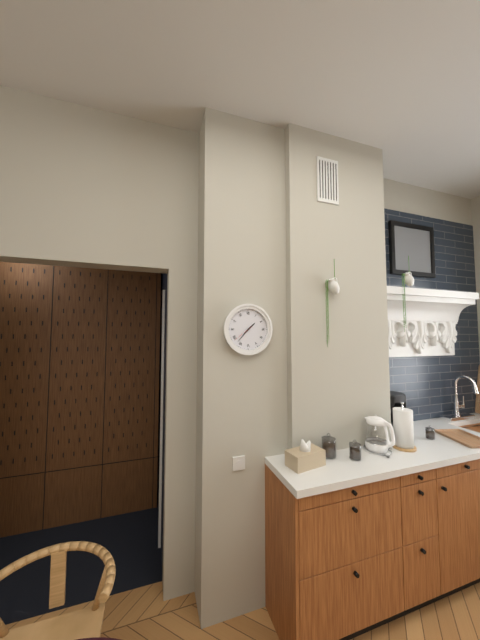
1.37
